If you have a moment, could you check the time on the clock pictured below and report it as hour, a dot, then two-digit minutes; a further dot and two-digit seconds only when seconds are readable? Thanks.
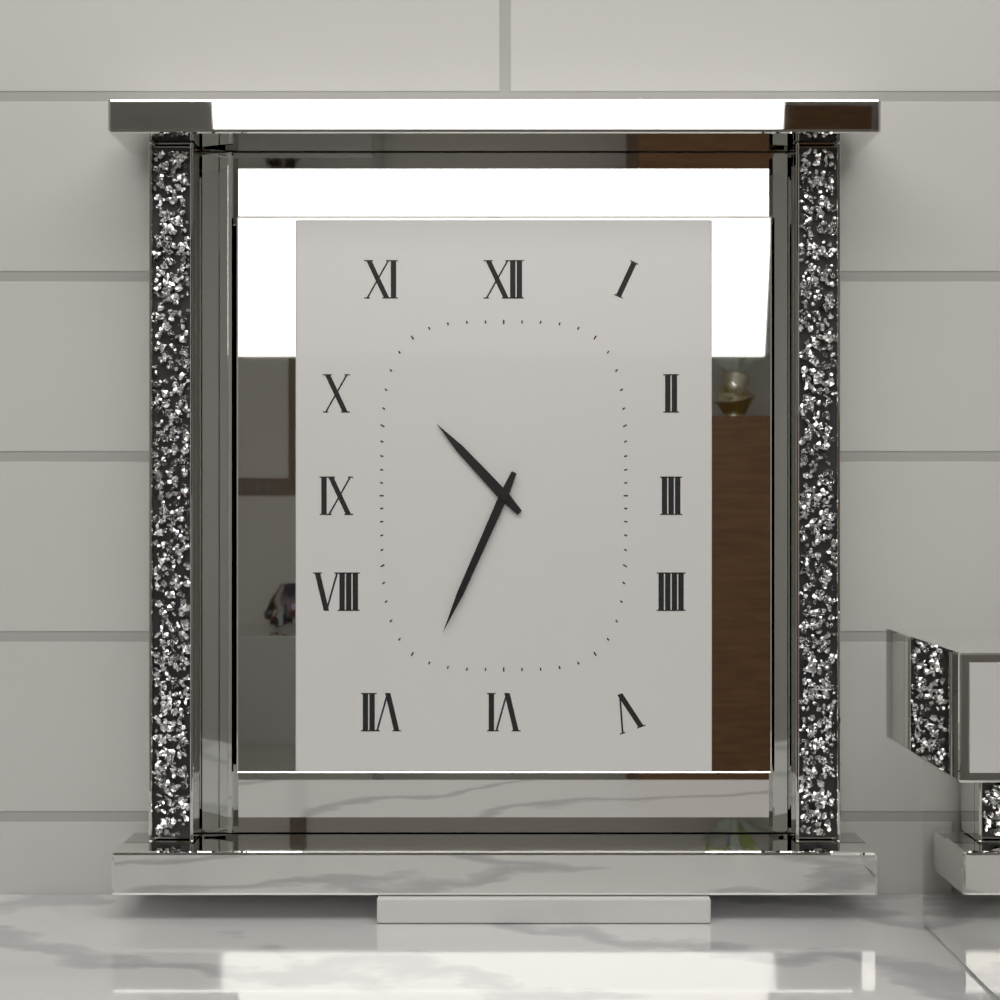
10.34
